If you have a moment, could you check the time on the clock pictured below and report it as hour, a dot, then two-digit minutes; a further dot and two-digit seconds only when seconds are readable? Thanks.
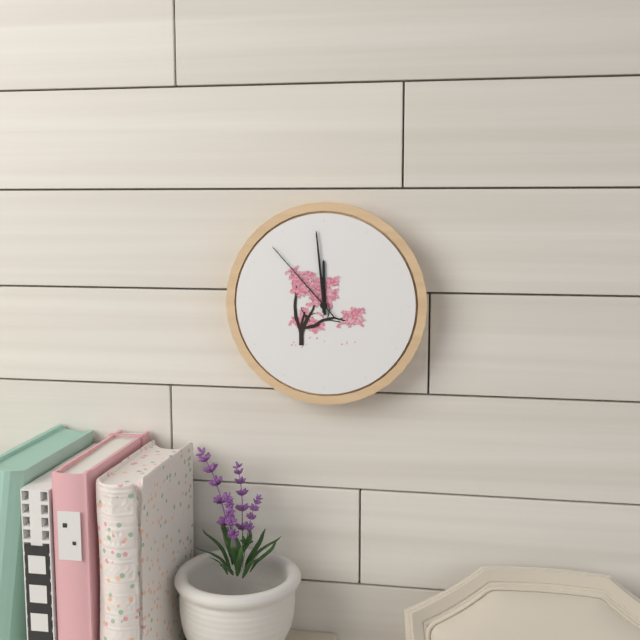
11.59.53
